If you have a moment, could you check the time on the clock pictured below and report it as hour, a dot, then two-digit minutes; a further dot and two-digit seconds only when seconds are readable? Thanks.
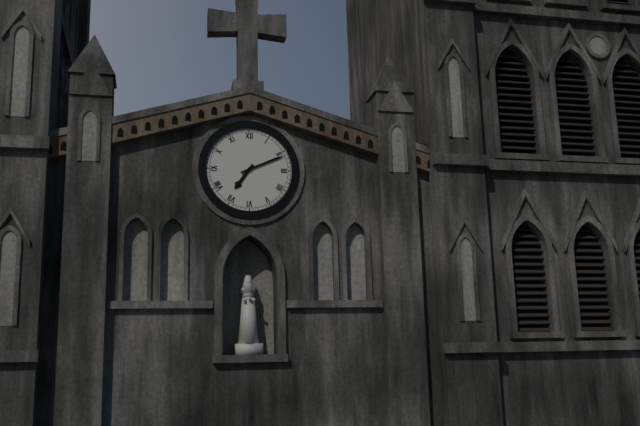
7.11
